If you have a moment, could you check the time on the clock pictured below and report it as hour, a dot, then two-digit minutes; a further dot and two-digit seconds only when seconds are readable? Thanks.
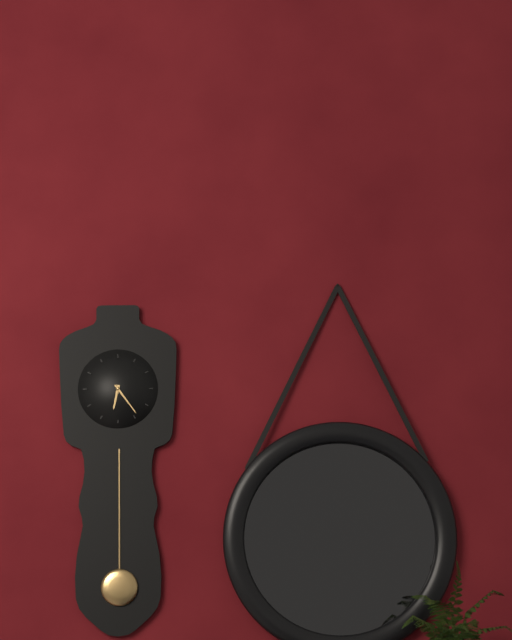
6.24
